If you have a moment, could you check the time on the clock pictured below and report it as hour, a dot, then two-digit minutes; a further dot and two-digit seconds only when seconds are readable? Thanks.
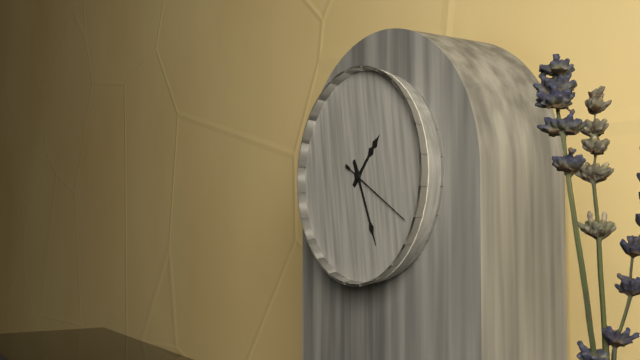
1.26.20
